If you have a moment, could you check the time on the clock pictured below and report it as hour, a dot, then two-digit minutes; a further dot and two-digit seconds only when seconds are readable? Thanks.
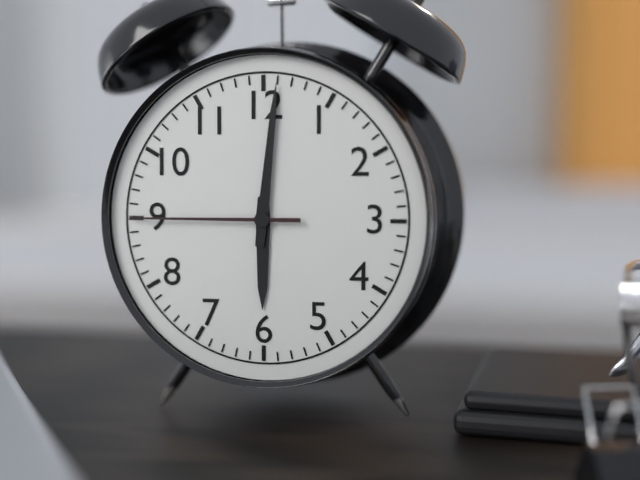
6.01.45
